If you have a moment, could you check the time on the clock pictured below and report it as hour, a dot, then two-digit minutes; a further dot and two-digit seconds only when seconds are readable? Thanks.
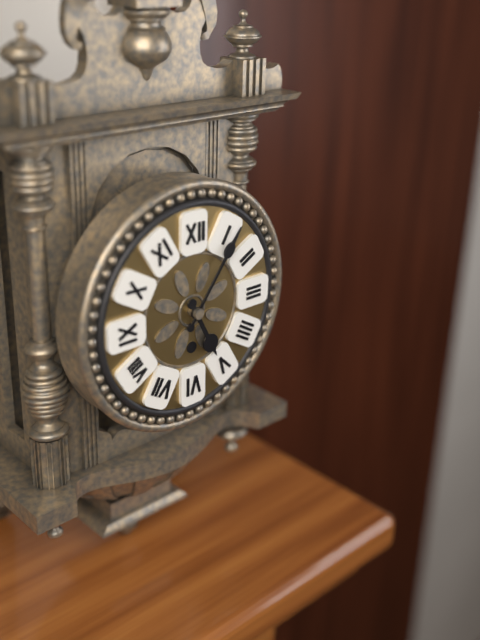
5.06
